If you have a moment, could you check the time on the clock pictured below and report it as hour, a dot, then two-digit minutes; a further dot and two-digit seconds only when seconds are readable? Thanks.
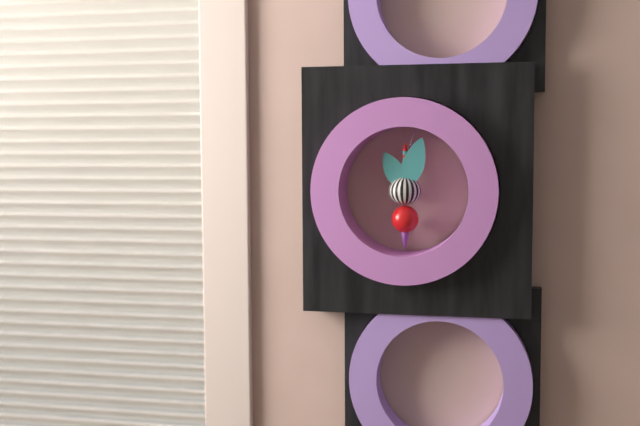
11.03
